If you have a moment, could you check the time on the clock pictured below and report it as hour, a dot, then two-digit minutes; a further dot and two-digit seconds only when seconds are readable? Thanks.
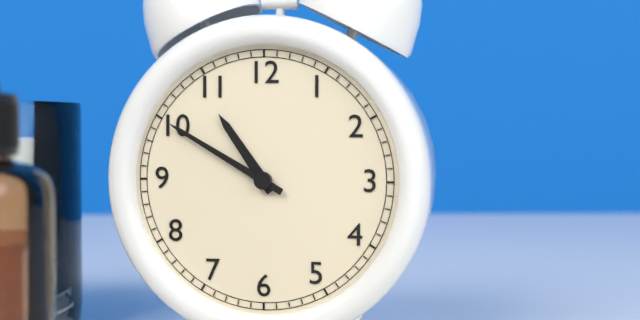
10.50
